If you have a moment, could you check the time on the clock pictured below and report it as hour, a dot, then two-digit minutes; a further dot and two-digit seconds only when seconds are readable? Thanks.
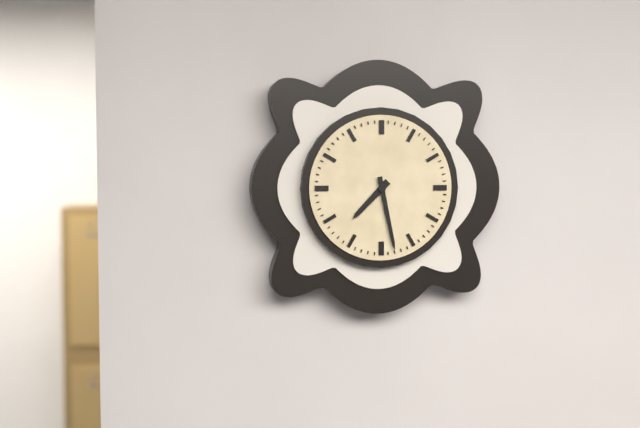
7.28
